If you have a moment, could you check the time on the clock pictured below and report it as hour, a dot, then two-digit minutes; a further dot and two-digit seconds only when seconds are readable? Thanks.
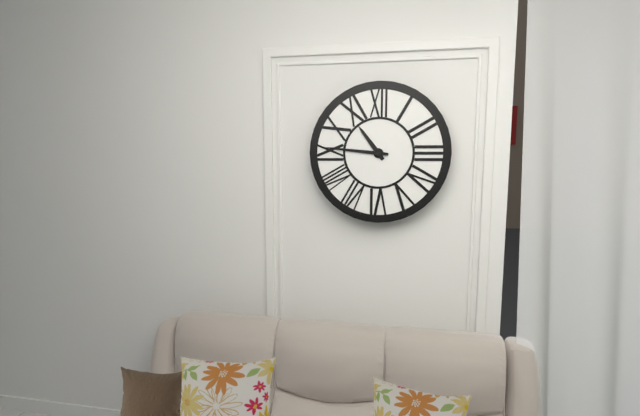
10.46
